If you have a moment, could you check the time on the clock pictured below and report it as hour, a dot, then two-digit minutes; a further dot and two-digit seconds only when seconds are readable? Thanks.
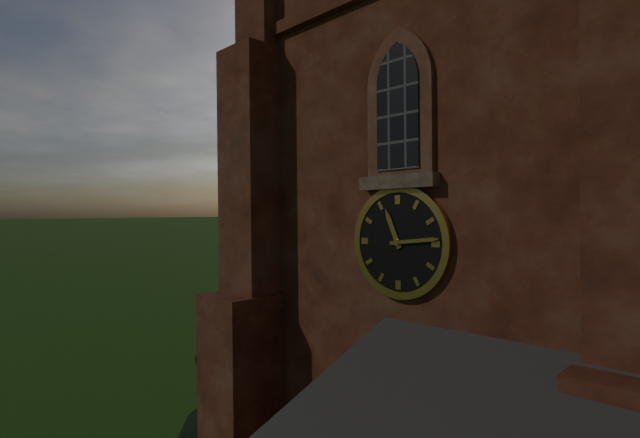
11.14
